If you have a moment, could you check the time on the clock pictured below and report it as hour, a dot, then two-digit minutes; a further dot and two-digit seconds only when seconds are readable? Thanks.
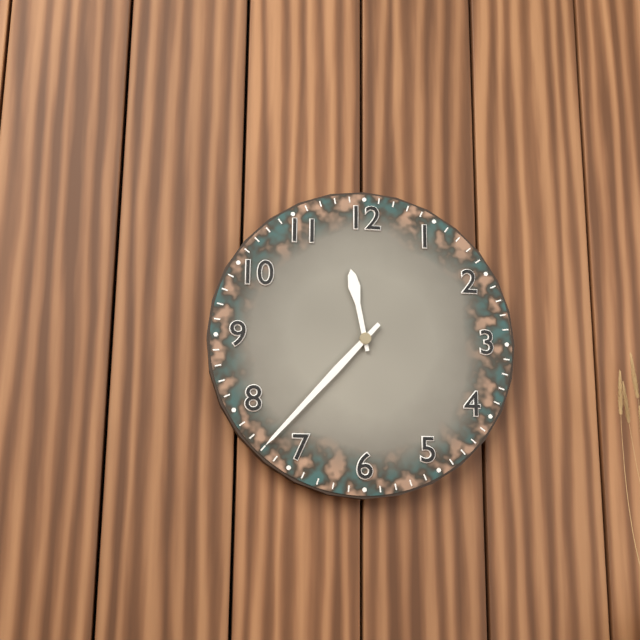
11.37
